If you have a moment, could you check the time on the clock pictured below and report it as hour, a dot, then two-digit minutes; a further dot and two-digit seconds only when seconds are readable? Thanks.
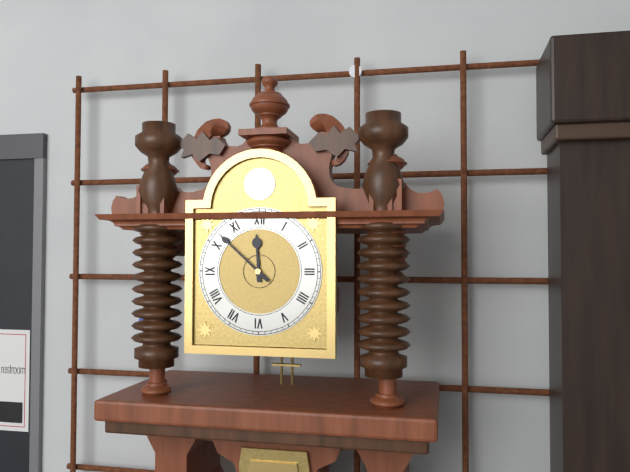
11.52
